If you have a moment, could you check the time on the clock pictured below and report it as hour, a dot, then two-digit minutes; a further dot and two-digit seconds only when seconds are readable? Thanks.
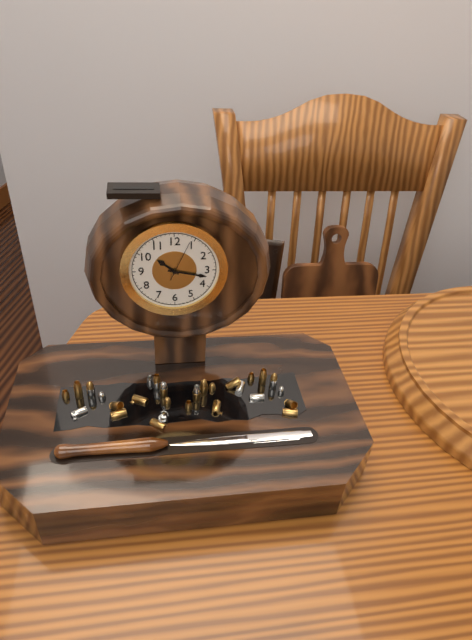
10.17
